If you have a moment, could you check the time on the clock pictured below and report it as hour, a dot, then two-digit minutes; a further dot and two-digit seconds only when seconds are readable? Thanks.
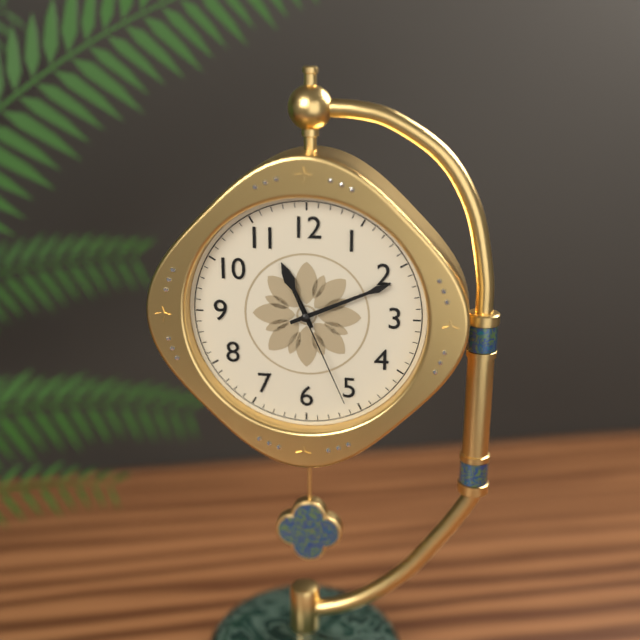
11.11.26
